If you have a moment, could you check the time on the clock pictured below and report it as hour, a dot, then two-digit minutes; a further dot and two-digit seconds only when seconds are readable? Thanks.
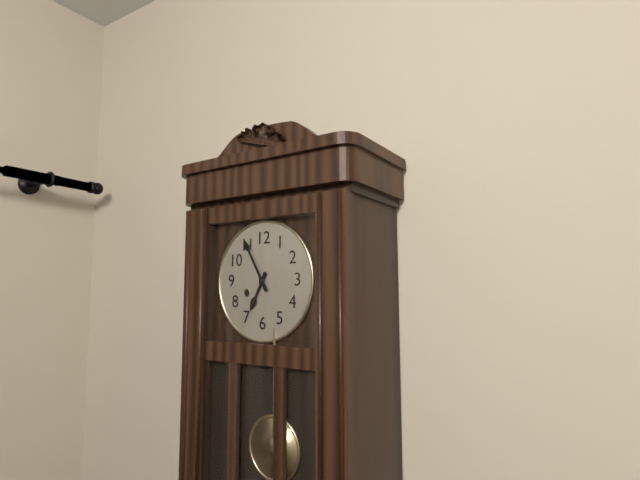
6.55
